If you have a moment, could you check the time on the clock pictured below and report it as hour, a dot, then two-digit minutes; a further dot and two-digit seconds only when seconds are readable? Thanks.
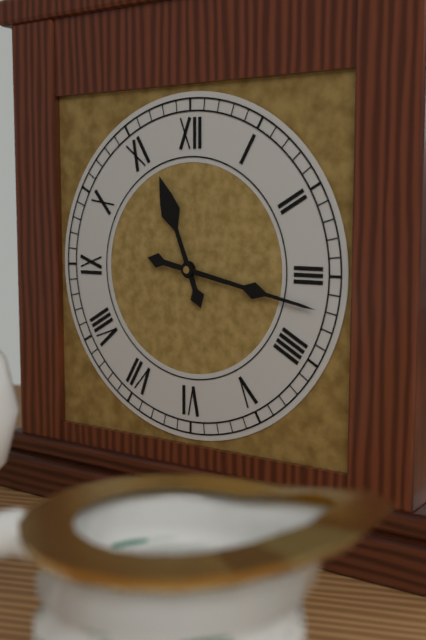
11.17
